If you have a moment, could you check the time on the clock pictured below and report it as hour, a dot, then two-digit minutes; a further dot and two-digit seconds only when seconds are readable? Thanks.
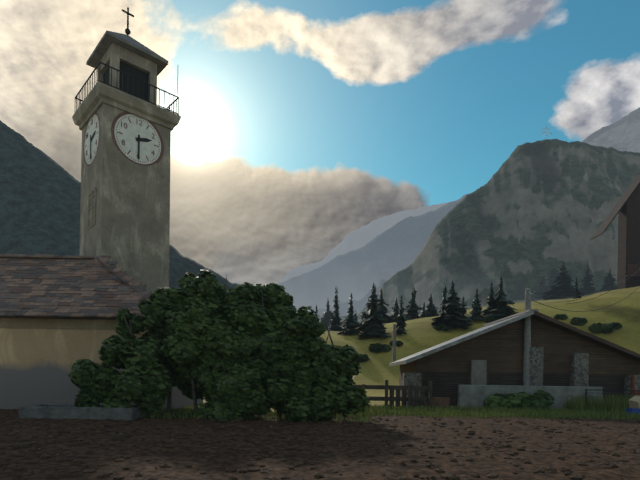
2.30
